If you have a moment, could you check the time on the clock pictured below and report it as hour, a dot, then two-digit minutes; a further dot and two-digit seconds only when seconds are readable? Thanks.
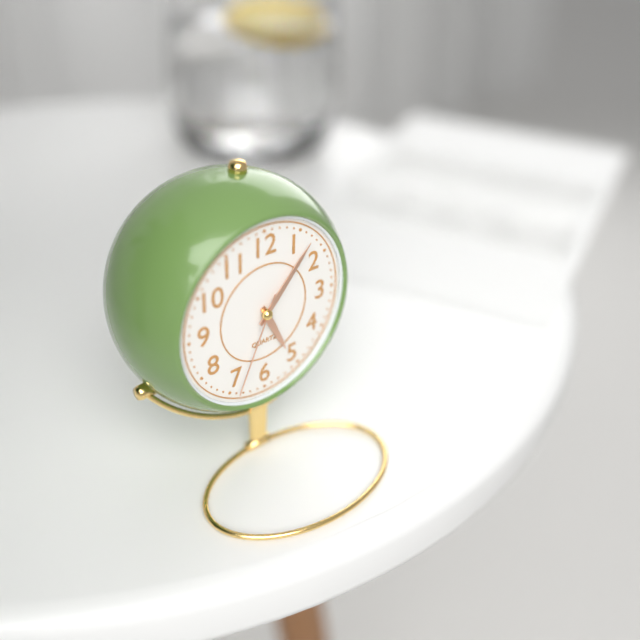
5.07.34
